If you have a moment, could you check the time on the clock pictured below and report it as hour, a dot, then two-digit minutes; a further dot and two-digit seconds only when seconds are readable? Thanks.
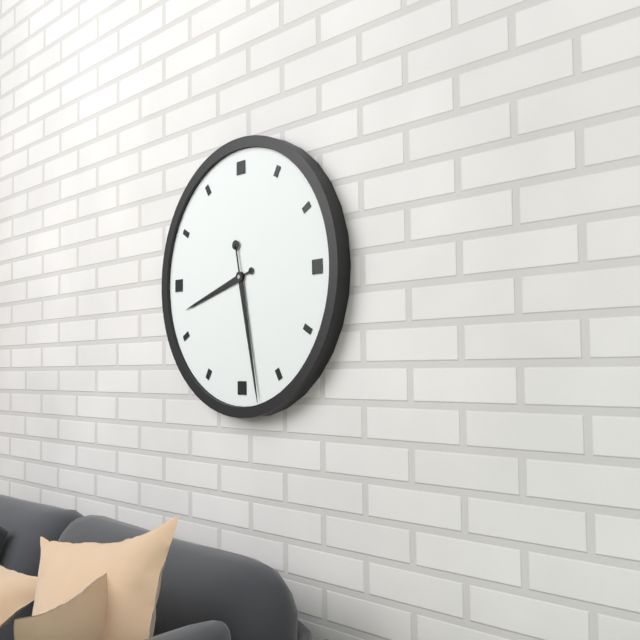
8.28
